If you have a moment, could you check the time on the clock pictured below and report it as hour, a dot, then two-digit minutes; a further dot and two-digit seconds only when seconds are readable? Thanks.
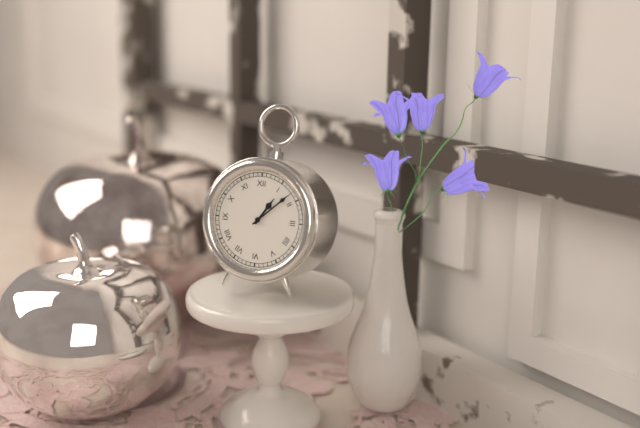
1.08
